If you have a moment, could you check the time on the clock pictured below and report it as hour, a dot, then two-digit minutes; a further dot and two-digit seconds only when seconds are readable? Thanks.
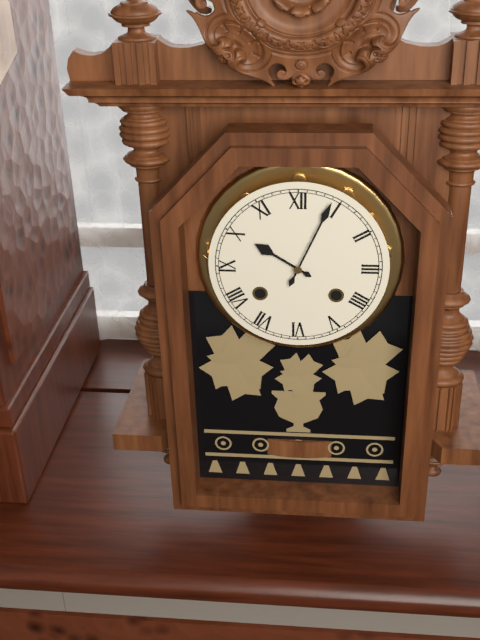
10.04
